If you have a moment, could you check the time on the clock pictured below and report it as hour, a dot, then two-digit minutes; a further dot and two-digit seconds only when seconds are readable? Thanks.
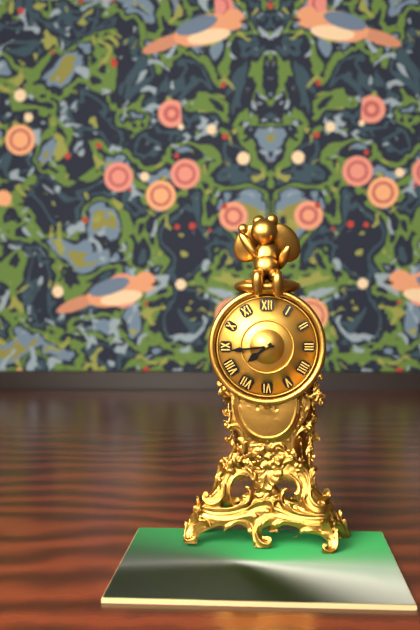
7.44
